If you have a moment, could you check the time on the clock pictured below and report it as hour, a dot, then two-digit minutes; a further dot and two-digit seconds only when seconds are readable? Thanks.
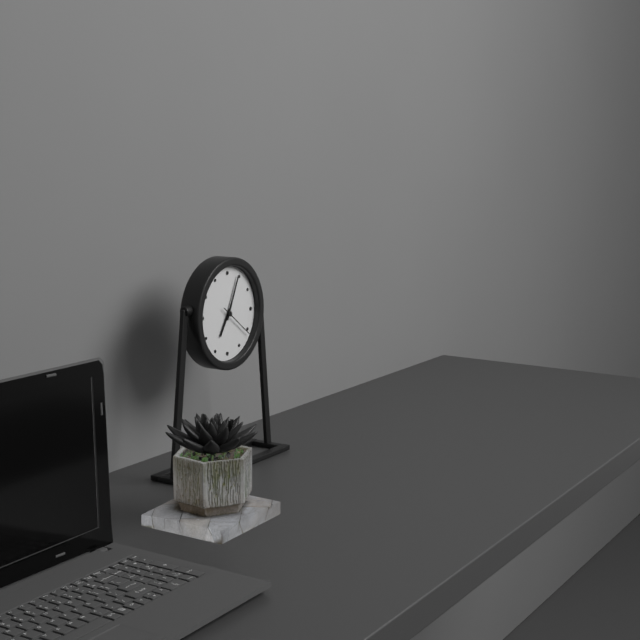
7.04
